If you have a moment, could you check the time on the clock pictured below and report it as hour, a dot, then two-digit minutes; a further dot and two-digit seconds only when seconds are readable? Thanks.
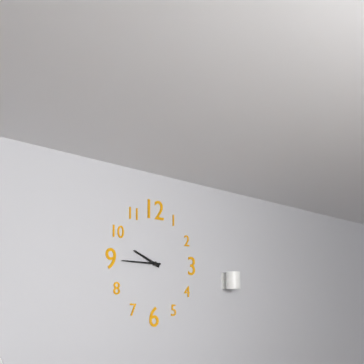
9.45
